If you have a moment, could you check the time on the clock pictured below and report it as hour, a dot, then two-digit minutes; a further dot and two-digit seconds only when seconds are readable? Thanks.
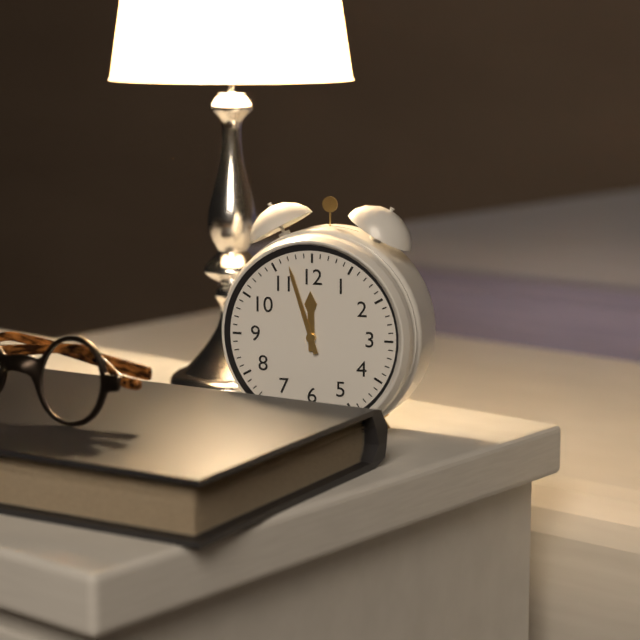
11.57
